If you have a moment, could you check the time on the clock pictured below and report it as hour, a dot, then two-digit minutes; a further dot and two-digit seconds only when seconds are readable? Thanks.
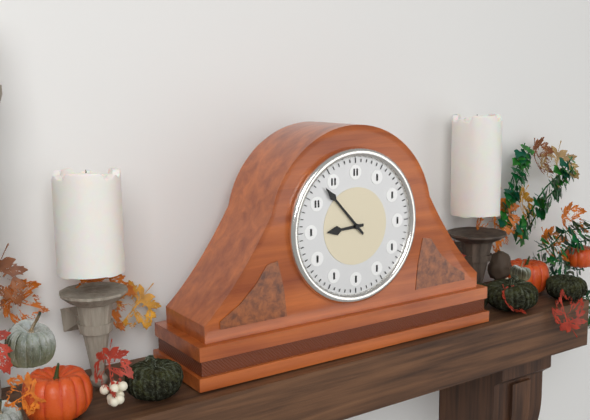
8.53
